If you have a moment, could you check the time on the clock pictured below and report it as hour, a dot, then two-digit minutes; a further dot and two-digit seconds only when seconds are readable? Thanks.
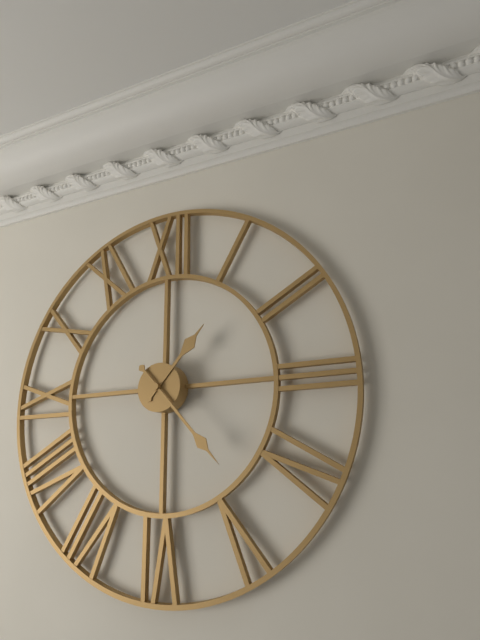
1.23
